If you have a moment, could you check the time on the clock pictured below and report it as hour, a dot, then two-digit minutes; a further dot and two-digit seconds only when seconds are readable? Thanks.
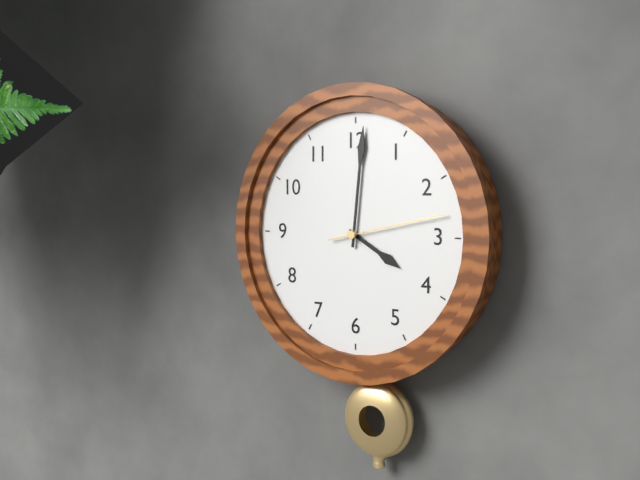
4.01.13
